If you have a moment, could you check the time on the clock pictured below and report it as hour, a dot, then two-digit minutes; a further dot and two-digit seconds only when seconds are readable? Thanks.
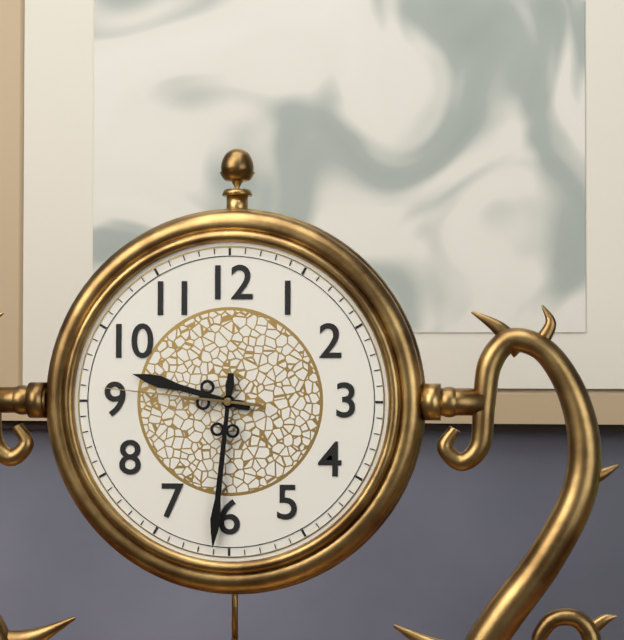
9.31.46
